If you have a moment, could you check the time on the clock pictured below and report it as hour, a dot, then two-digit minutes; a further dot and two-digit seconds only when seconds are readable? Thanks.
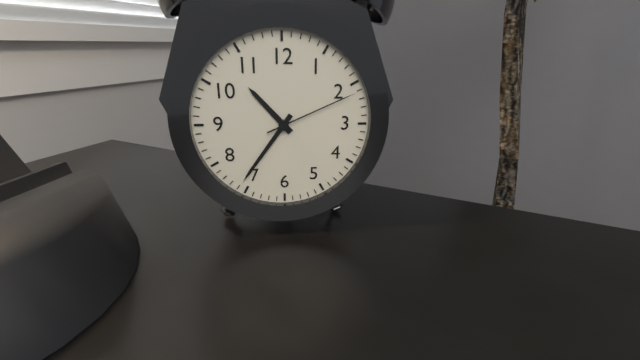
10.36.11
